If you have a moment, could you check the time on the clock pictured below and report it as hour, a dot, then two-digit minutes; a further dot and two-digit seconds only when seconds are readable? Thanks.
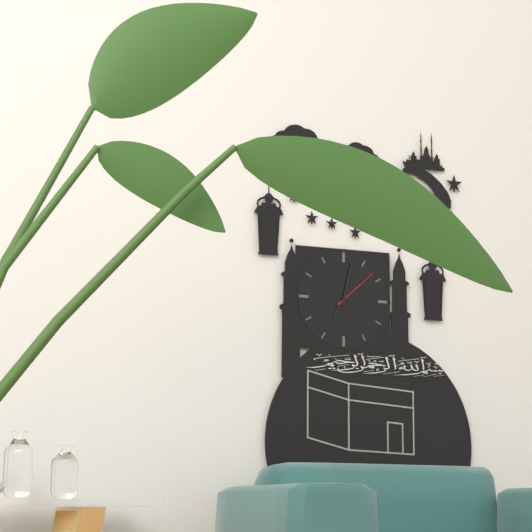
7.02.08
